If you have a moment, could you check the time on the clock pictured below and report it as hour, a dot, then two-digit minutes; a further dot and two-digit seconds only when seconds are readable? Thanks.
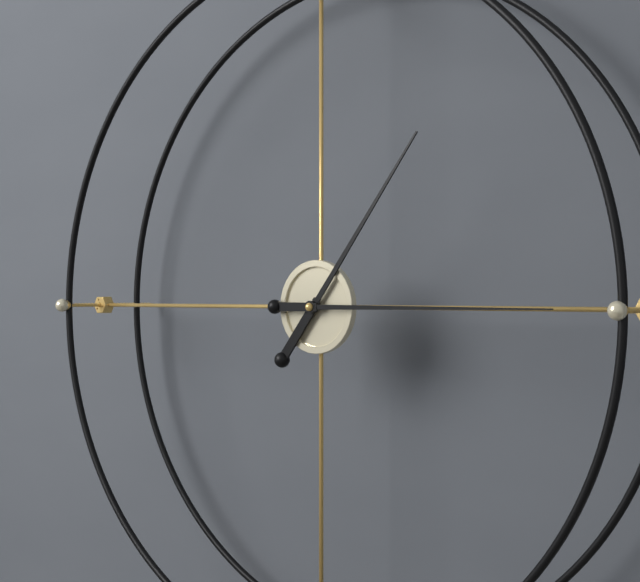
1.15
